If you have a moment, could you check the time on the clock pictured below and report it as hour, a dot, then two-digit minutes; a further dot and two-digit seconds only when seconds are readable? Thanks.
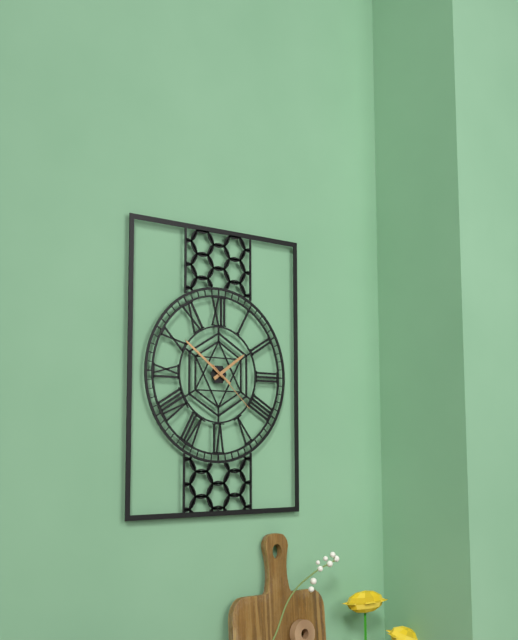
1.51.22
